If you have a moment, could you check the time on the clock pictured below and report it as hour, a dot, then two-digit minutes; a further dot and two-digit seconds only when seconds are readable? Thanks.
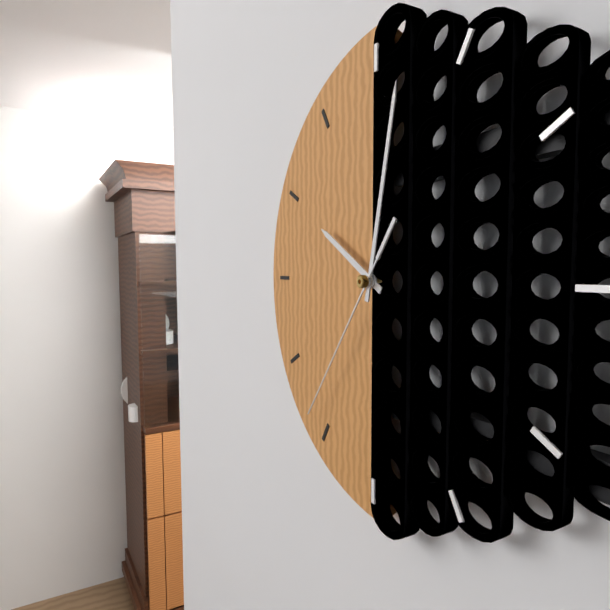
10.02.36
